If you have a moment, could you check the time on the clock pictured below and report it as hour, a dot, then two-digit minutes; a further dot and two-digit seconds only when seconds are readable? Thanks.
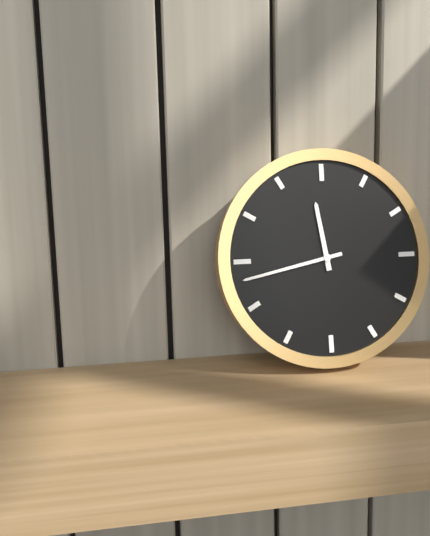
11.43
